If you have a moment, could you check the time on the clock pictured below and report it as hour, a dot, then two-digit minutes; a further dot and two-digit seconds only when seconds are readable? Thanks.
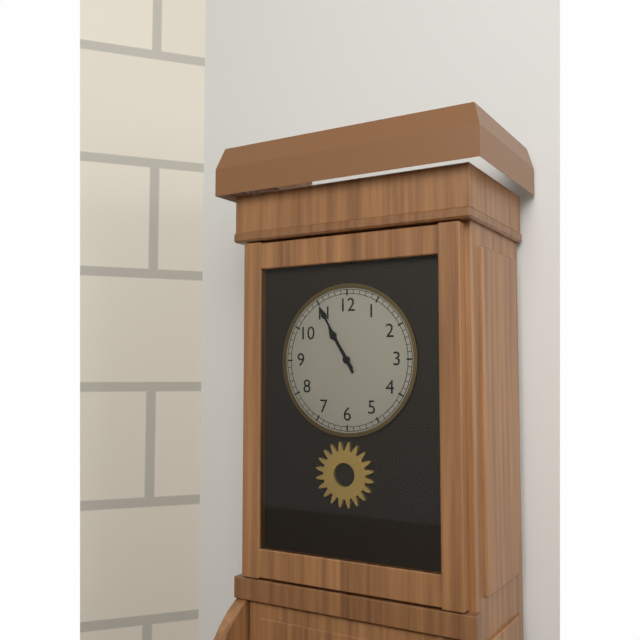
10.55
